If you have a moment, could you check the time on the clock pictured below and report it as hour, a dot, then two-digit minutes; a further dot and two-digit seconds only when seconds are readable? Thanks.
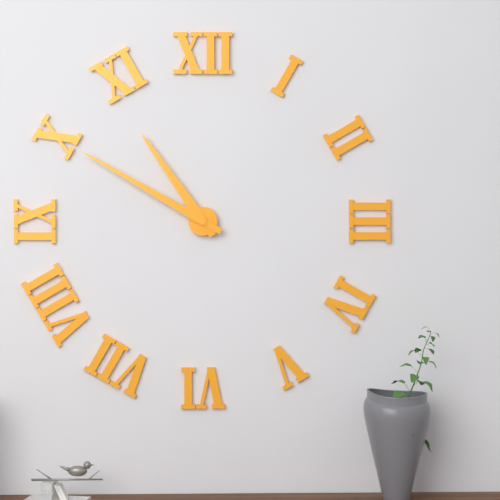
10.50
